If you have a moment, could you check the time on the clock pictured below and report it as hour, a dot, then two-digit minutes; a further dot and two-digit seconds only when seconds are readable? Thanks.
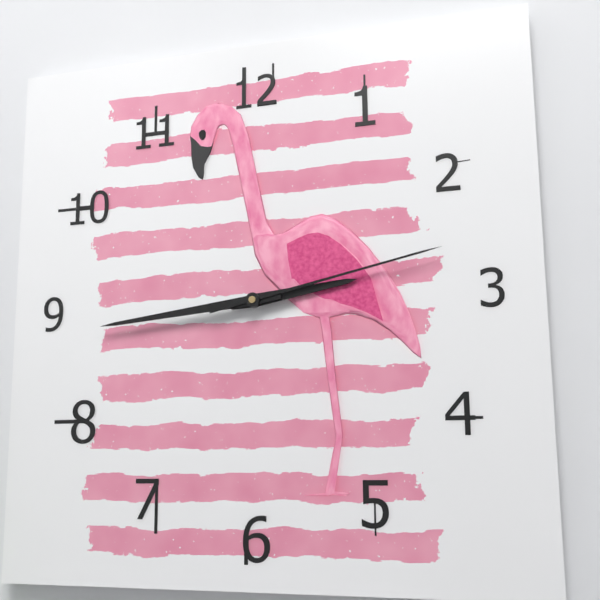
2.44.13
